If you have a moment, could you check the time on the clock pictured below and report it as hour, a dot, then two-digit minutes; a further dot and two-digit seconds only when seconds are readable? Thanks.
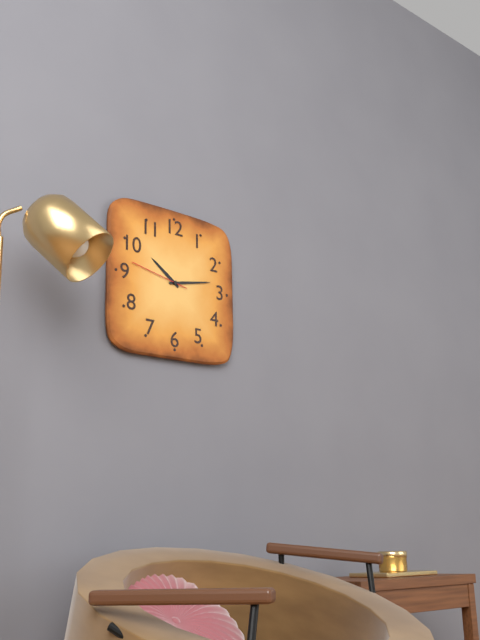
10.13.47
